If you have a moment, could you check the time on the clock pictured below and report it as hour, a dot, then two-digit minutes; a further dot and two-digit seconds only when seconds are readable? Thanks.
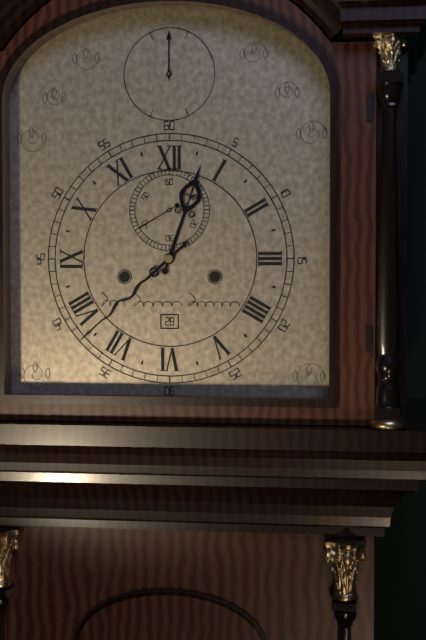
12.38
